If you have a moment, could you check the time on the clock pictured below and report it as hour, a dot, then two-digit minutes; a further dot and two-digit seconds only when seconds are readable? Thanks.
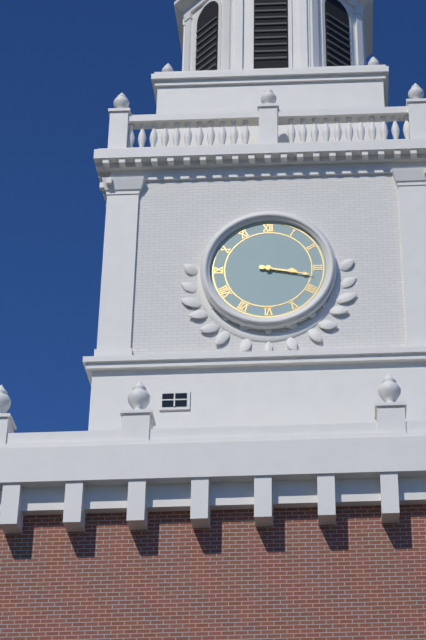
3.17
